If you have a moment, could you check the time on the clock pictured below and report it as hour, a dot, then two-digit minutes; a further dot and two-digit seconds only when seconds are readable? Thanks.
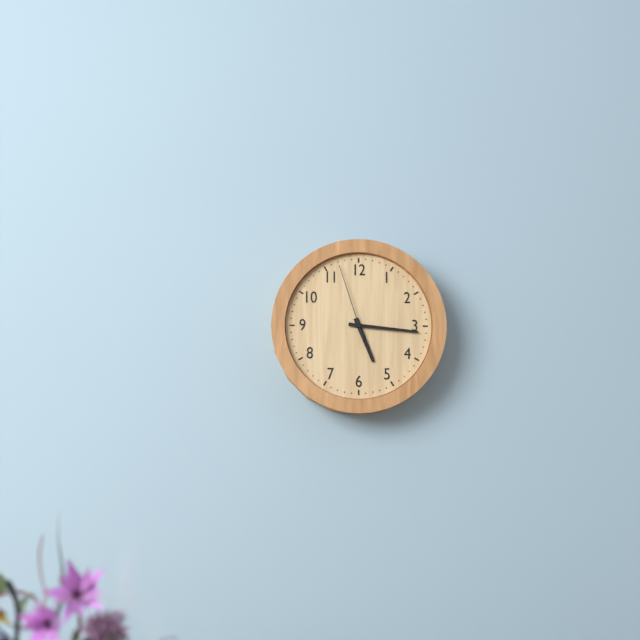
5.16.57
